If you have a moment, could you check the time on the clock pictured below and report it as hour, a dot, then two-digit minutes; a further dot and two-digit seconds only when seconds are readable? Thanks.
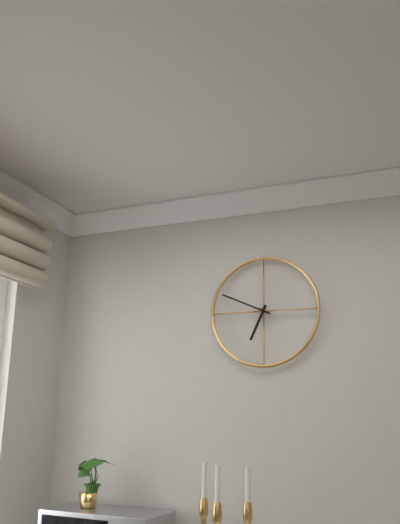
6.49
